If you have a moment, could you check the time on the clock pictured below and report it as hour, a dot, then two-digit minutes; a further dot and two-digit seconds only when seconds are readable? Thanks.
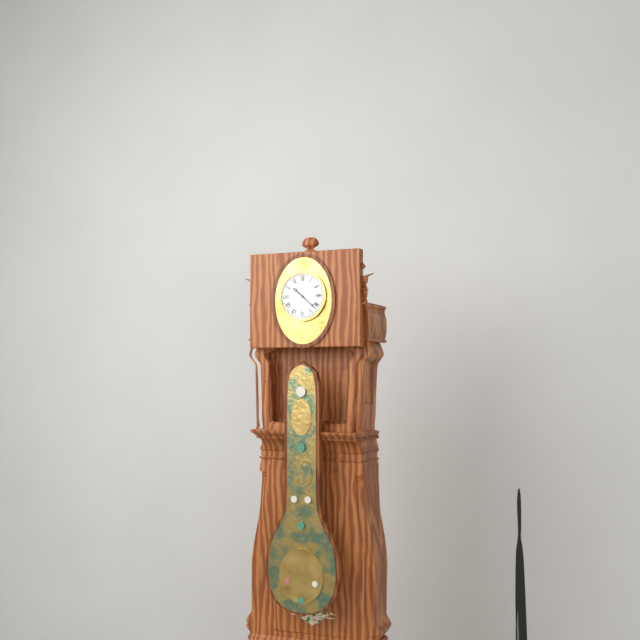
10.22
